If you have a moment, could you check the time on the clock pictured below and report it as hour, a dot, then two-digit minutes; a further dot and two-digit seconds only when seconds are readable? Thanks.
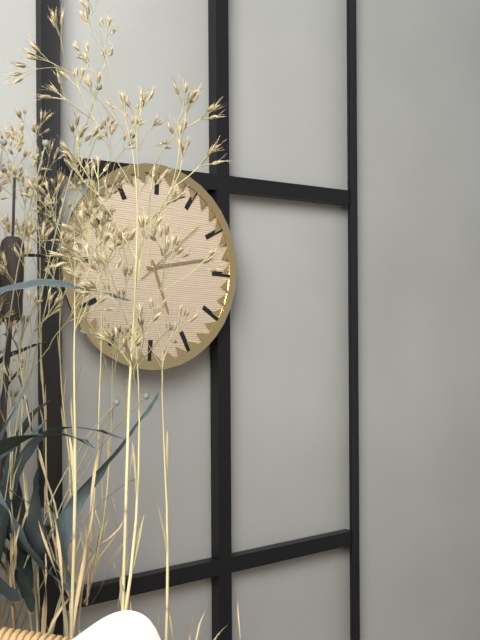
5.13.08
